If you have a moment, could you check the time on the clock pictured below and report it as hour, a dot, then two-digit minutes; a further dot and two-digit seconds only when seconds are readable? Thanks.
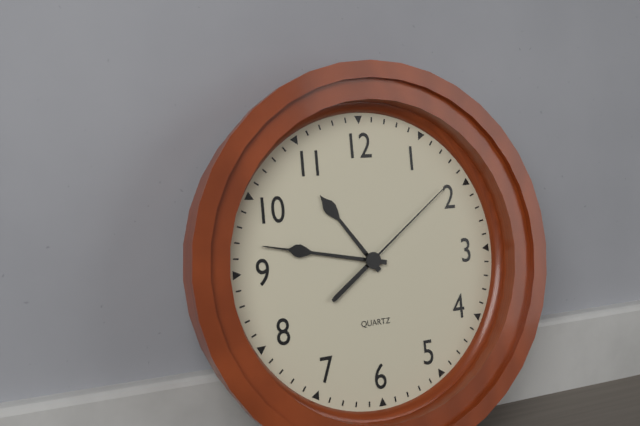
10.47.09
